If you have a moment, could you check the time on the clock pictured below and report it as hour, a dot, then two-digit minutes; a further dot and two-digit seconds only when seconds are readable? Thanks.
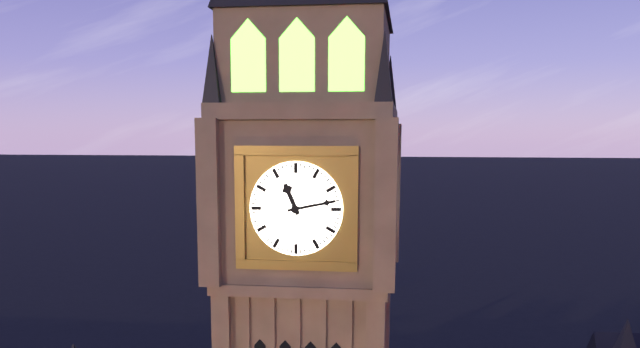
11.13
